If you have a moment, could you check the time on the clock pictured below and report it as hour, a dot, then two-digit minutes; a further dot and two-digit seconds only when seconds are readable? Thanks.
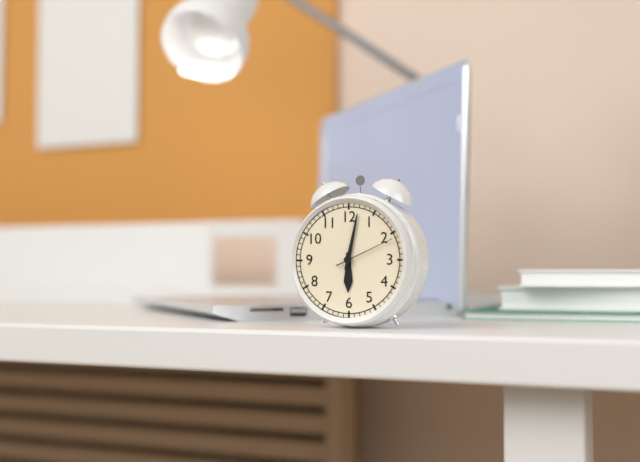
6.02.11
